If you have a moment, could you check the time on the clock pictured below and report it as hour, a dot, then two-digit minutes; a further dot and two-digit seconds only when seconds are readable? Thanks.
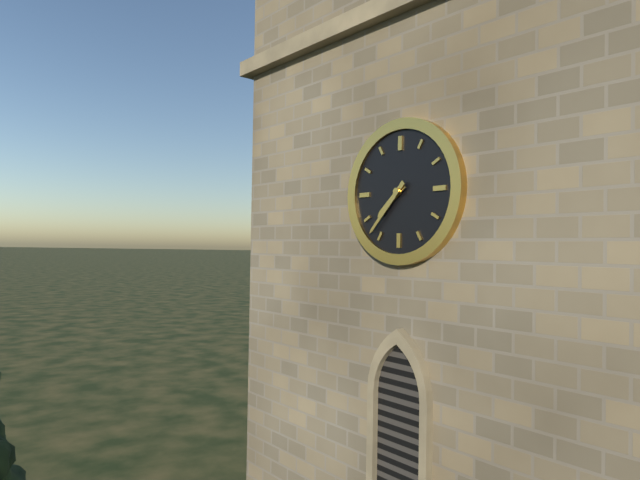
7.37
